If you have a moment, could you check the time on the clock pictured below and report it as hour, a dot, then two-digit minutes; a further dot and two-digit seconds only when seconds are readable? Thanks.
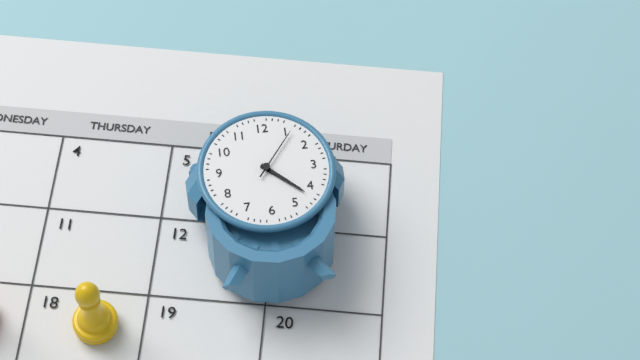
4.22.06
